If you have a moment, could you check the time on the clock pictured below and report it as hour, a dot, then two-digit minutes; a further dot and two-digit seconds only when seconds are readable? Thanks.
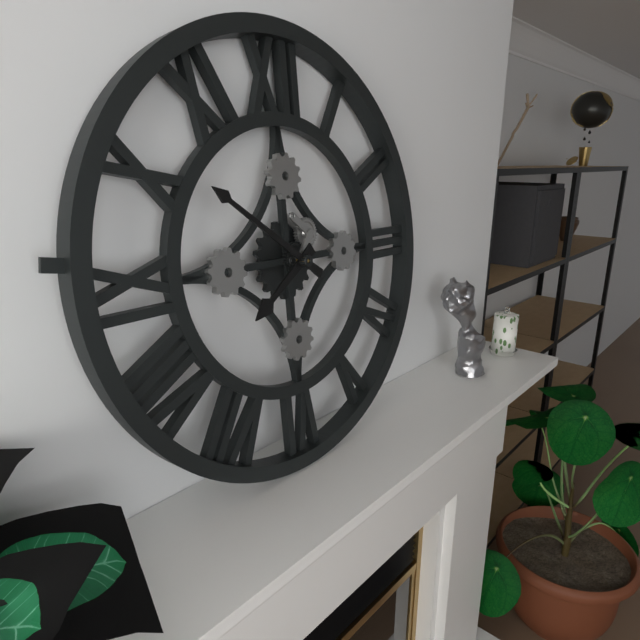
7.51
